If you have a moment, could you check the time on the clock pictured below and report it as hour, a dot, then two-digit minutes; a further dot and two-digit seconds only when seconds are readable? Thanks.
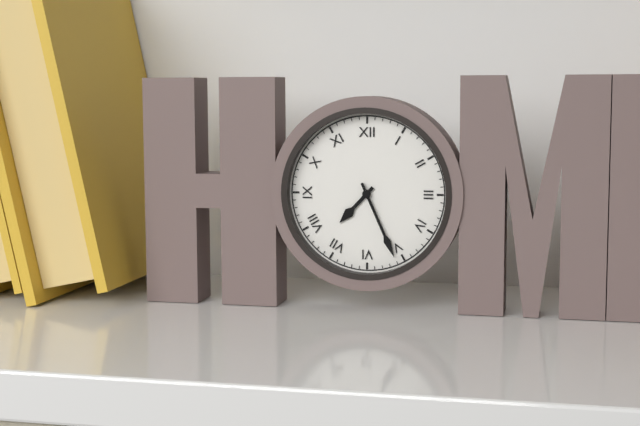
7.26
